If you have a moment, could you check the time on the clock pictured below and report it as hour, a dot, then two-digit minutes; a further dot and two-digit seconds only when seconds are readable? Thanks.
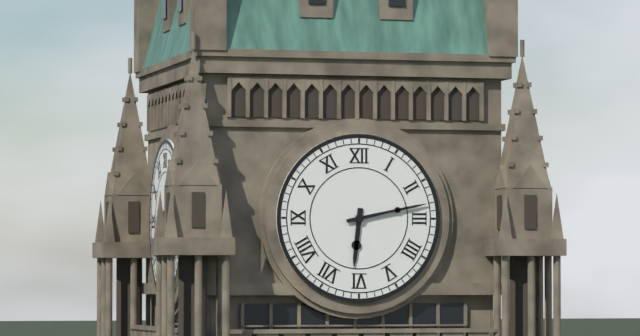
6.13
